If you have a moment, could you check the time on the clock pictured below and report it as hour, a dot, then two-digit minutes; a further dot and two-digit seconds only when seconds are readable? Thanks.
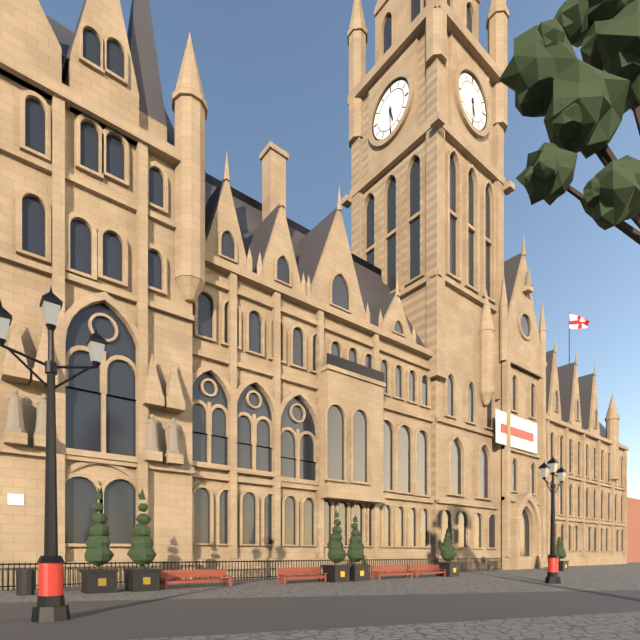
5.30
